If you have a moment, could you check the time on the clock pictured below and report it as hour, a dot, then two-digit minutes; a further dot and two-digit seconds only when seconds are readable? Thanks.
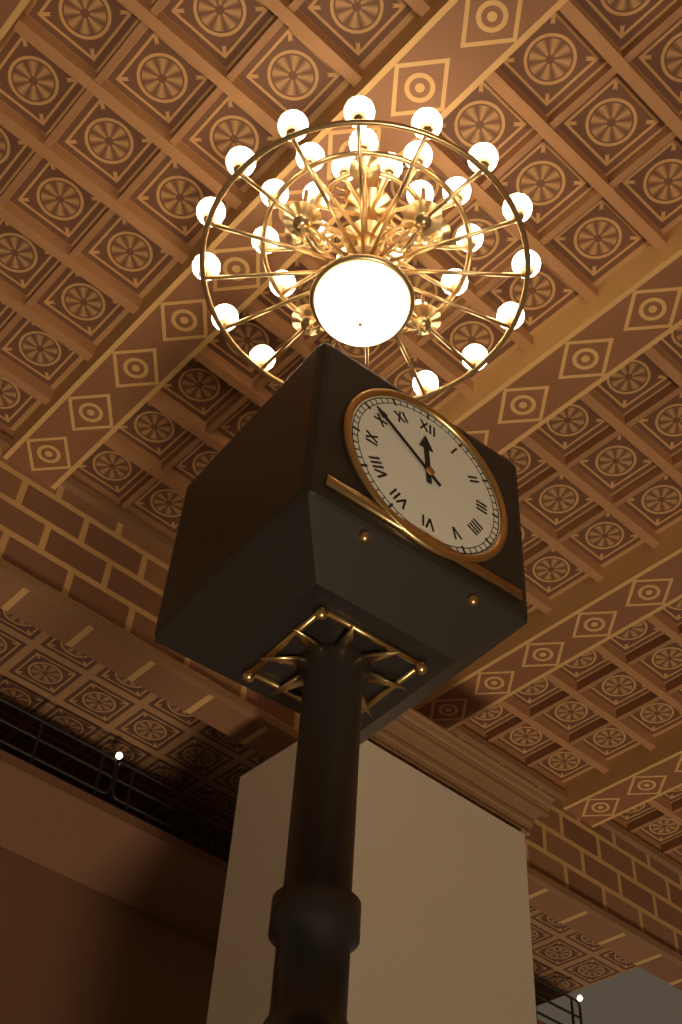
11.51
